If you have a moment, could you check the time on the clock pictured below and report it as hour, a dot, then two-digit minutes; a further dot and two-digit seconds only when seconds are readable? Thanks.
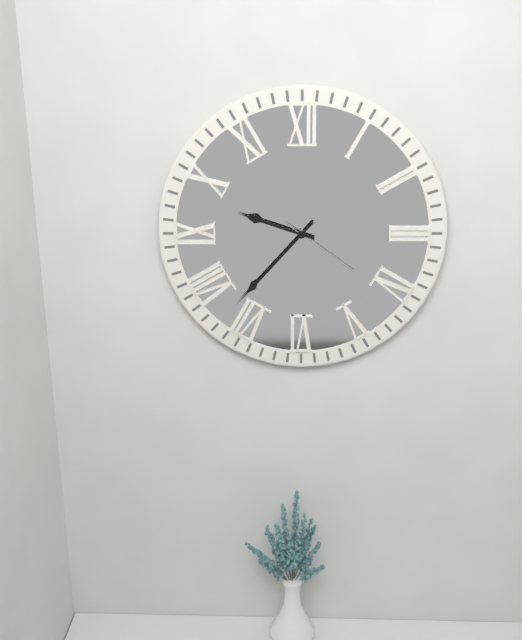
9.37.21
